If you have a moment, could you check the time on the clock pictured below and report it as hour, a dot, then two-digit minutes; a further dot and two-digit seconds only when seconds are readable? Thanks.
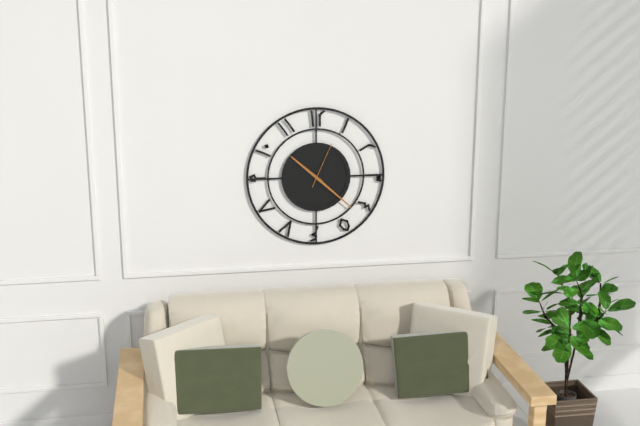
10.22
